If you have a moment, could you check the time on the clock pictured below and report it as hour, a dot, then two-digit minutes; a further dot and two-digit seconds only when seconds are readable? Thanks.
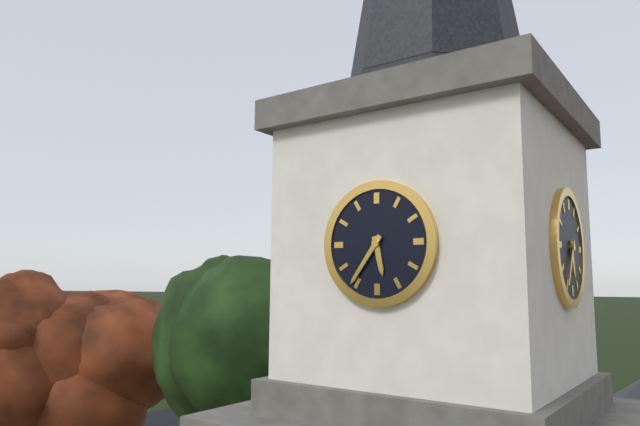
5.36
